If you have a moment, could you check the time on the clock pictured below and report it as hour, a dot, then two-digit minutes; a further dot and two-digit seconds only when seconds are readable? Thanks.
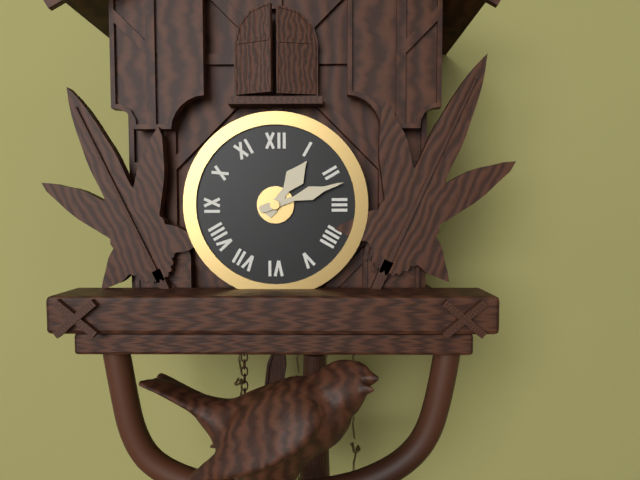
1.12
